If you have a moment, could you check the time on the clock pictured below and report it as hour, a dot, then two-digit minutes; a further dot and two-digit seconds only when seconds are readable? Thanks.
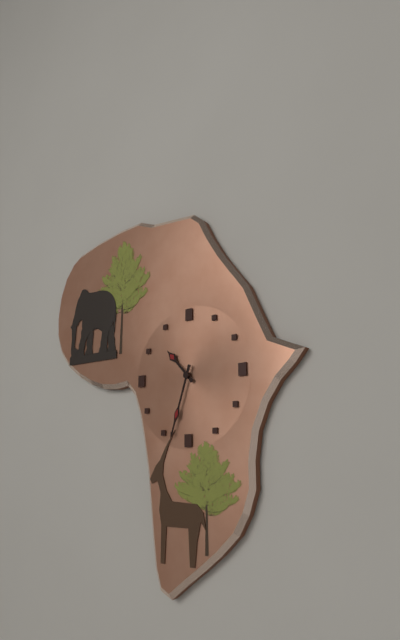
10.33
